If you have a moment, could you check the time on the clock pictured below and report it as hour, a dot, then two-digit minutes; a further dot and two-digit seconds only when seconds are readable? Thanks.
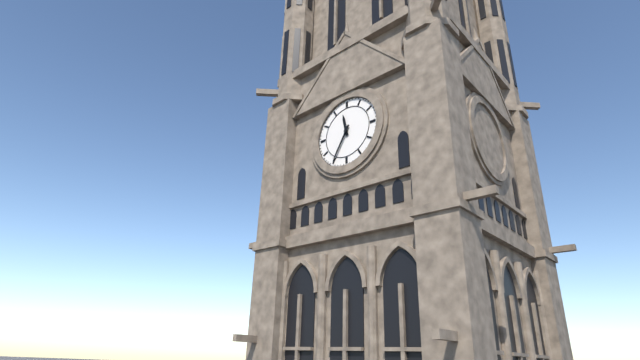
11.35
